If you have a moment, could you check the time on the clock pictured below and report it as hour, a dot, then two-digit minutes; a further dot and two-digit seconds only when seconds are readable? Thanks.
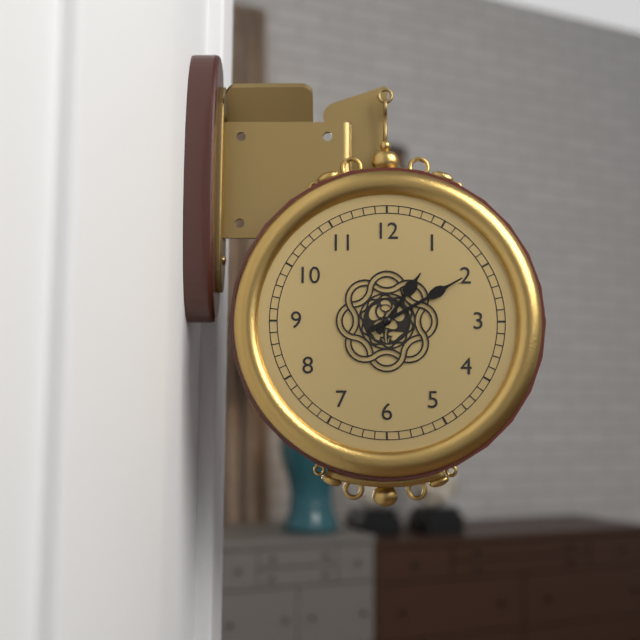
1.10
